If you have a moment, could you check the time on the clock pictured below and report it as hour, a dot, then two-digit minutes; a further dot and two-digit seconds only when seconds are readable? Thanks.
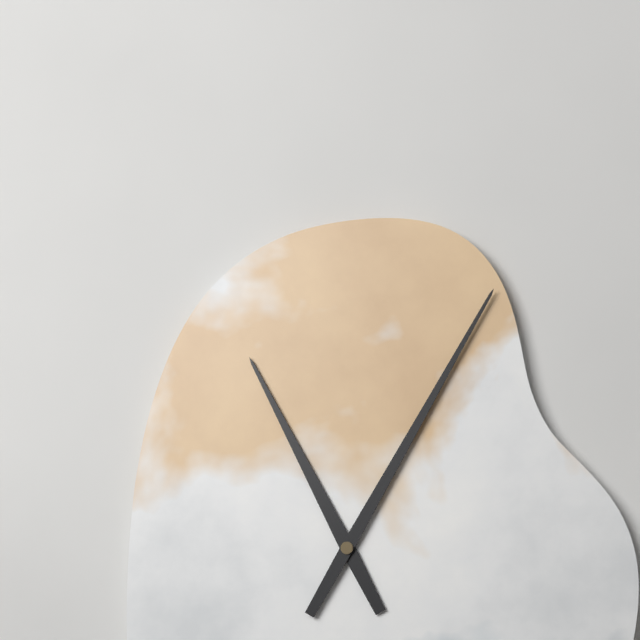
11.05
